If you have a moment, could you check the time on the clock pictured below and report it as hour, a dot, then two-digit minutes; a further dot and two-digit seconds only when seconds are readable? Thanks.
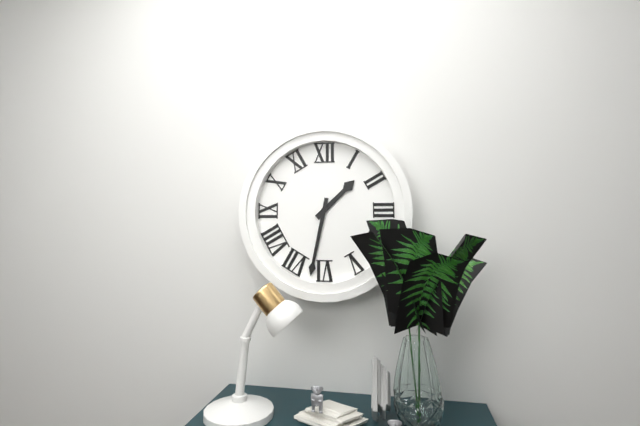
1.32
